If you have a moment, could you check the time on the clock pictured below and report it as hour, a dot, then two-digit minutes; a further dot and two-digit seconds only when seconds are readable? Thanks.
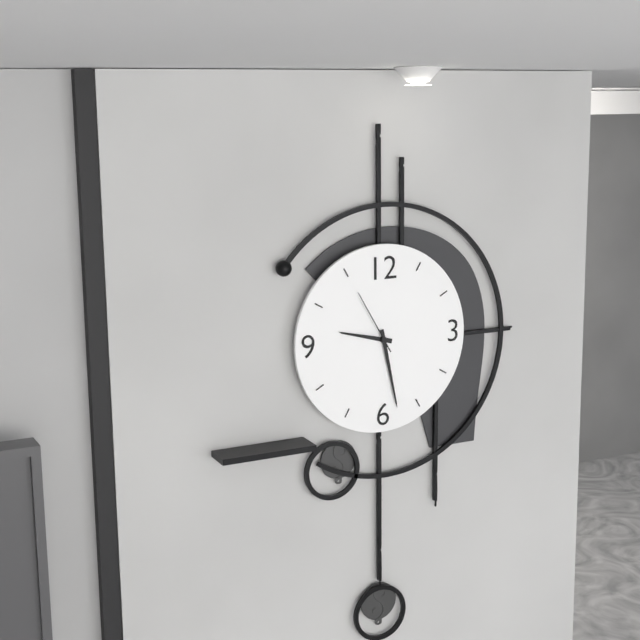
9.28.55
